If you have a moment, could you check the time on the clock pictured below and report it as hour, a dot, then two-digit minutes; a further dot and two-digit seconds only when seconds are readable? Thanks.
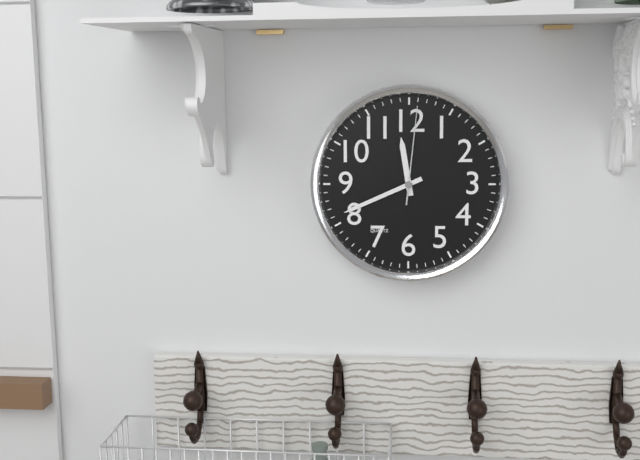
11.41.01
